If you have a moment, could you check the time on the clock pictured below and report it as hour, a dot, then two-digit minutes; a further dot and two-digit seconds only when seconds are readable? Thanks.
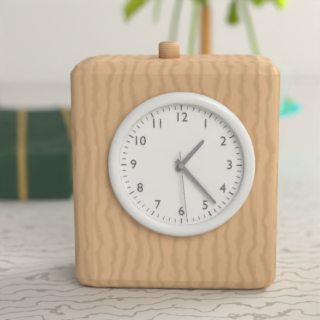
1.23.29
